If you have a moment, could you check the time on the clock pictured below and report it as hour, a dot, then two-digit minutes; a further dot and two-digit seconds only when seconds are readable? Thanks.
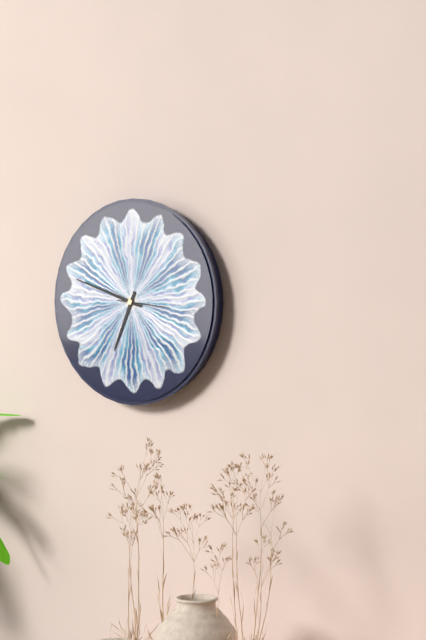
6.48
